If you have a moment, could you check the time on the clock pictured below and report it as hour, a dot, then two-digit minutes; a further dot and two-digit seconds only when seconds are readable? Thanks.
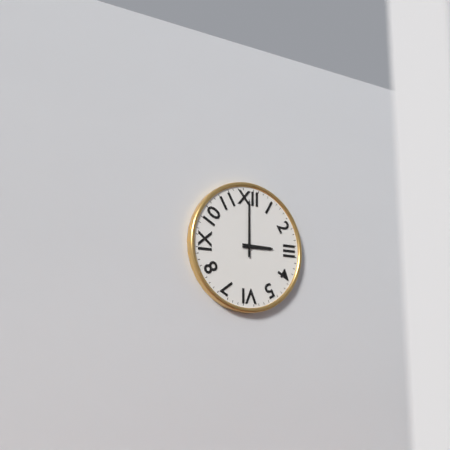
3.00
